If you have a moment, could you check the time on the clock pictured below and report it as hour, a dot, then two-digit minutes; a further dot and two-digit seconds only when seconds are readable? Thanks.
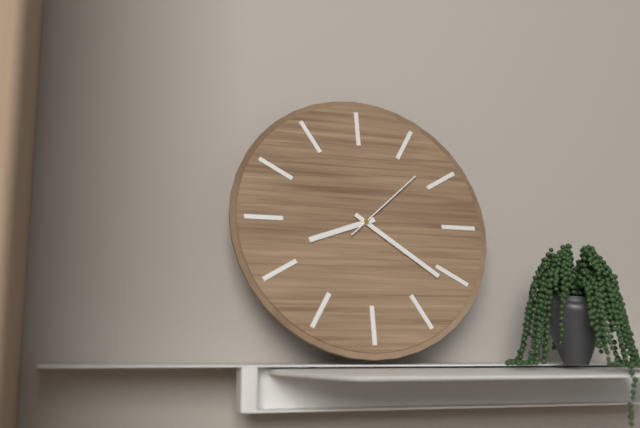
8.21.08
